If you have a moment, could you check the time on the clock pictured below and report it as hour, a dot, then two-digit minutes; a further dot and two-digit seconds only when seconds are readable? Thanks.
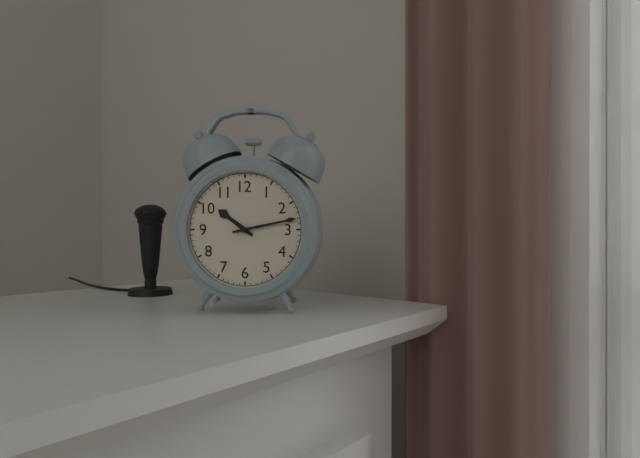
10.13
